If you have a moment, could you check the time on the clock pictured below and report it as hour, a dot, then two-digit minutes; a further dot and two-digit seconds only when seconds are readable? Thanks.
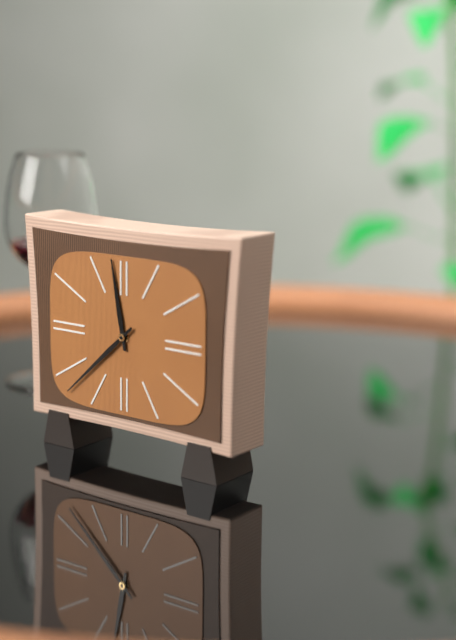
11.38
